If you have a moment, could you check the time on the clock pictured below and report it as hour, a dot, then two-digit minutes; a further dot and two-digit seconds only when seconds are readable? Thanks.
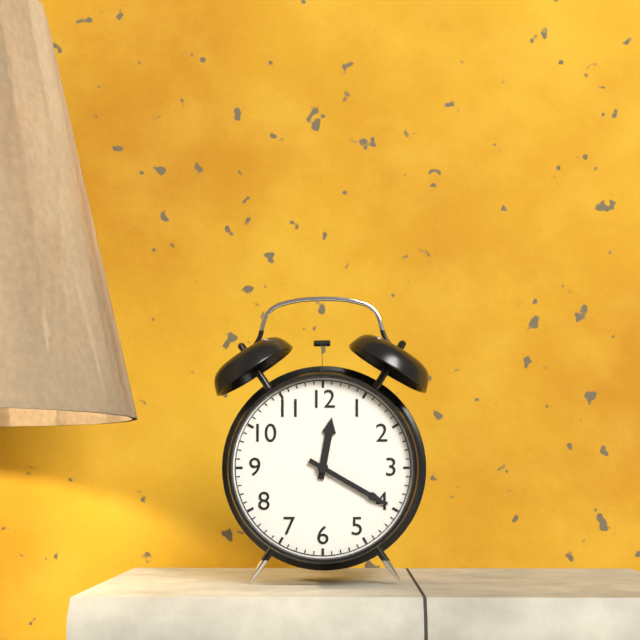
12.20
